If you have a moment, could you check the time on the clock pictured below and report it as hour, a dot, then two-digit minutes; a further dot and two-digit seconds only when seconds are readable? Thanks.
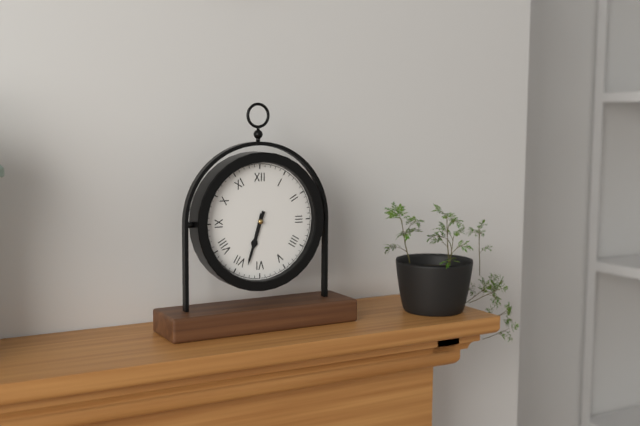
6.33
